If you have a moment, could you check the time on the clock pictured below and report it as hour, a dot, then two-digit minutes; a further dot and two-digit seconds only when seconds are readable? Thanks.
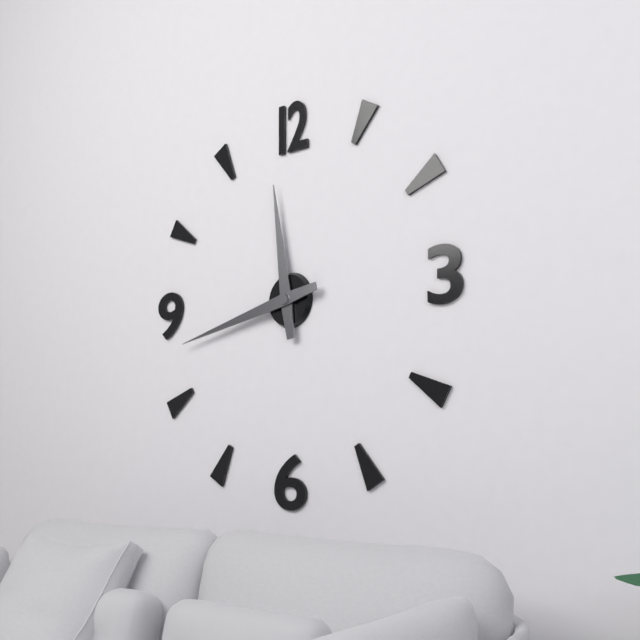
11.43
